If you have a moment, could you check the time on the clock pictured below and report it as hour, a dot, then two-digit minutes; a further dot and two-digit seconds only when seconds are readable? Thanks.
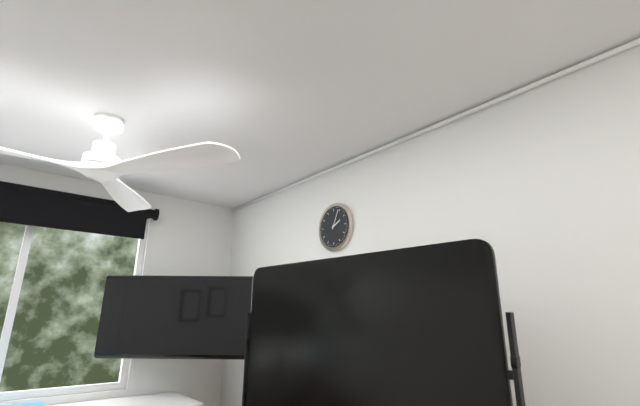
2.04
